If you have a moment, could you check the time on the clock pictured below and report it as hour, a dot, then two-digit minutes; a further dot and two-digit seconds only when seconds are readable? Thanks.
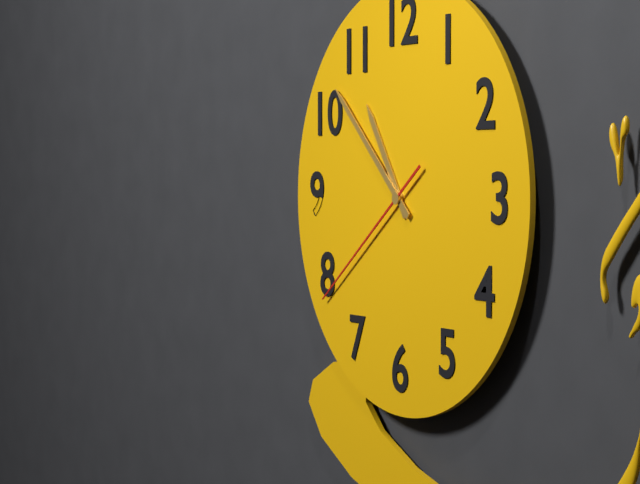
10.52.39
